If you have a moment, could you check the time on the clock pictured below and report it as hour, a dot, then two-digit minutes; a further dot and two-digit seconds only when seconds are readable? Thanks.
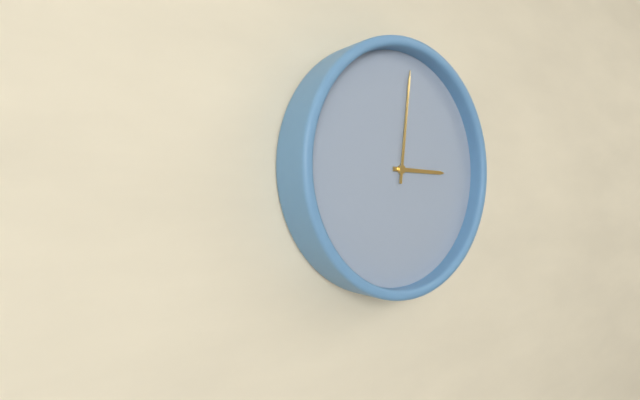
3.01
